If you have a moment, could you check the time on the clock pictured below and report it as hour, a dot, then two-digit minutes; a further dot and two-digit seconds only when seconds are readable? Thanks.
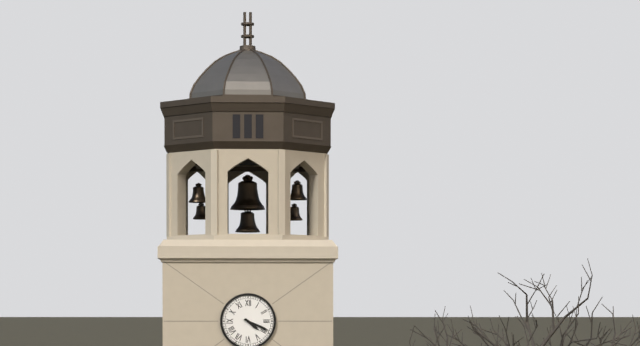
4.19
